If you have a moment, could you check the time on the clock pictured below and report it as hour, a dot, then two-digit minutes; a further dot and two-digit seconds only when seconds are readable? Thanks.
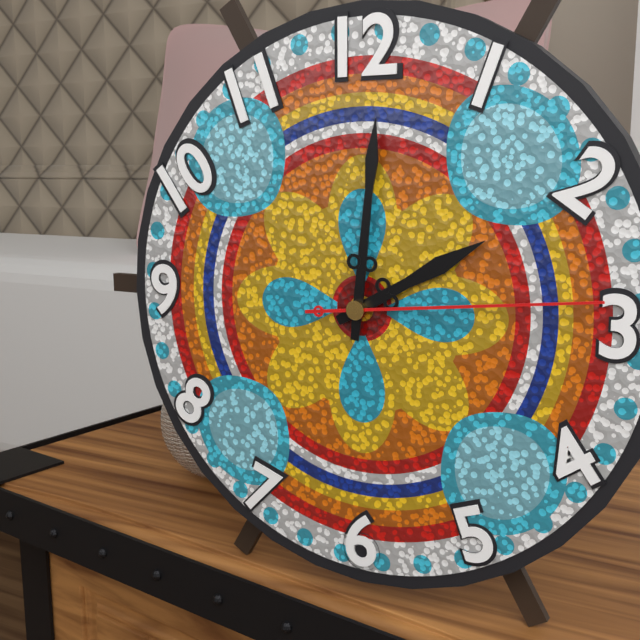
2.01.14
